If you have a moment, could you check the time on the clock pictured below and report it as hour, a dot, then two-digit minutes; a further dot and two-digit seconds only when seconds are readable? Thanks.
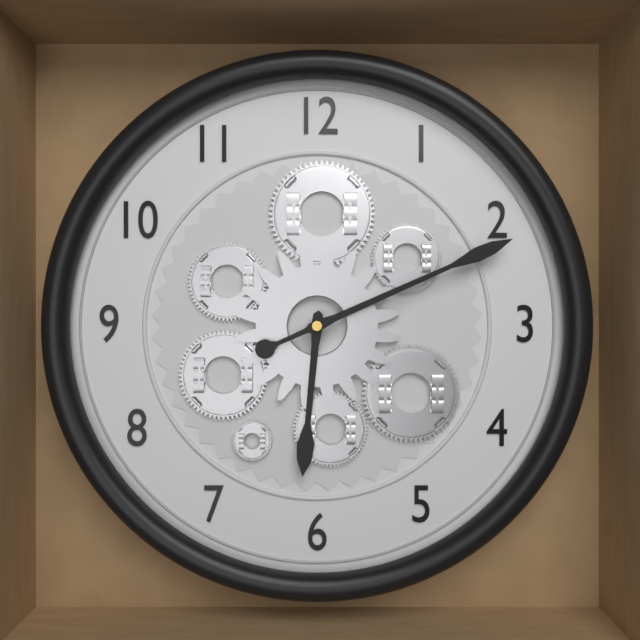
6.11
